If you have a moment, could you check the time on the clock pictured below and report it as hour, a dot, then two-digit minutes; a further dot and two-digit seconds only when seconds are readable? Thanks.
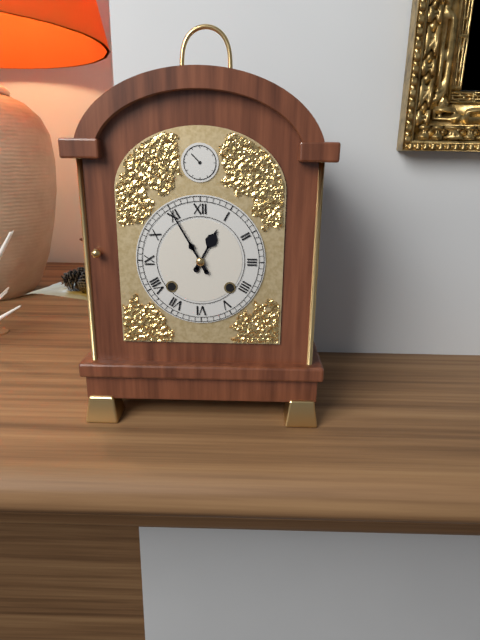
12.55
